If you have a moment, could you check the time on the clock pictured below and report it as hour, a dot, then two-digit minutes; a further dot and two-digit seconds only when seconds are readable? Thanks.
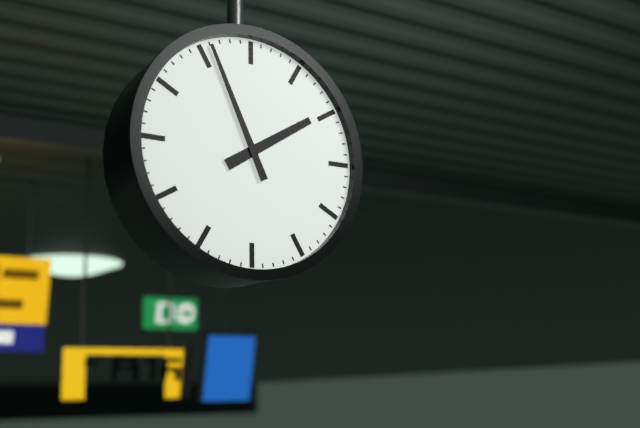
1.56
